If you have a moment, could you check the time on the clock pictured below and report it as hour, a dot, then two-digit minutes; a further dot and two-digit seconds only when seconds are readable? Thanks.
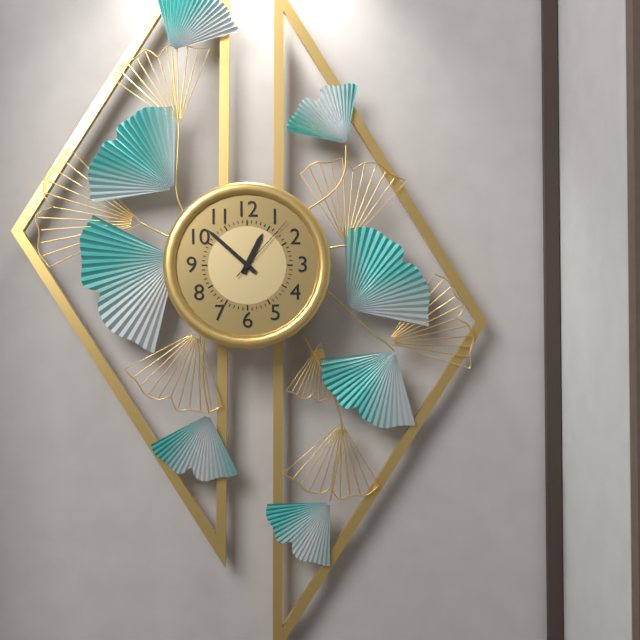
12.52.07
